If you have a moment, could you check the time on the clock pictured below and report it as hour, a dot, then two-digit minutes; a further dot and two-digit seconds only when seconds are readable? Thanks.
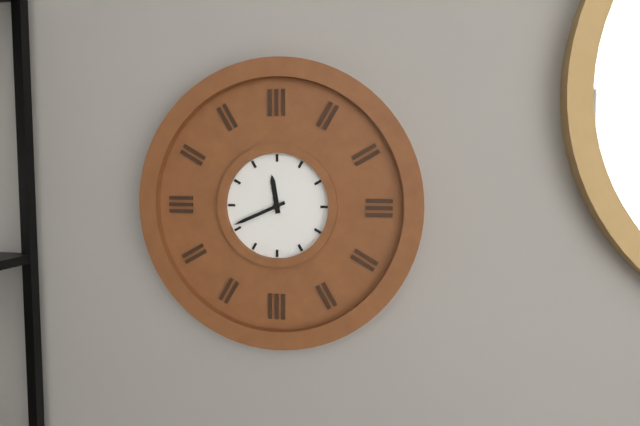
11.41
